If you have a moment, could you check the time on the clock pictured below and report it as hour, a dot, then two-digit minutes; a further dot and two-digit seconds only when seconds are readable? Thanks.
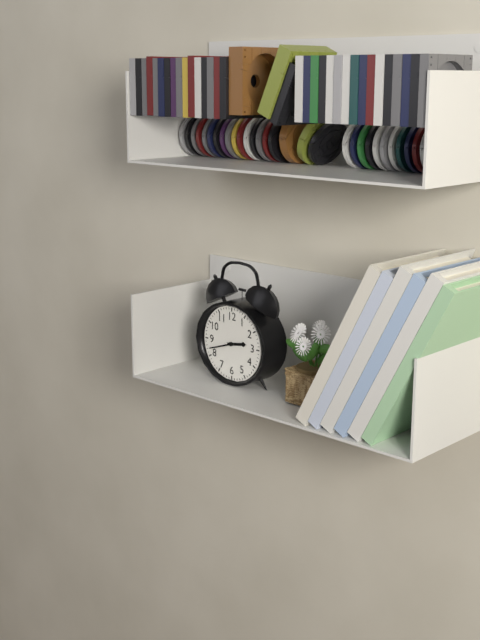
2.42
